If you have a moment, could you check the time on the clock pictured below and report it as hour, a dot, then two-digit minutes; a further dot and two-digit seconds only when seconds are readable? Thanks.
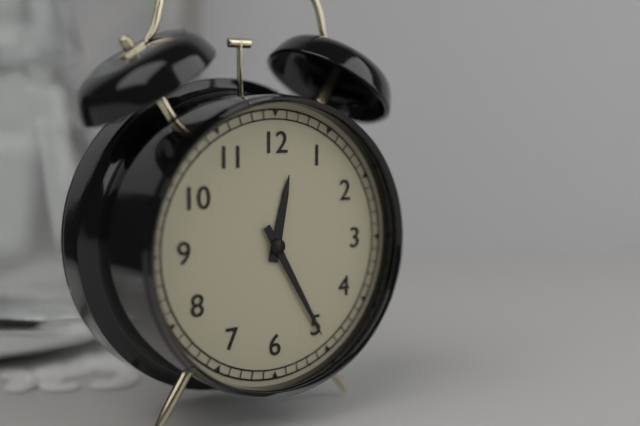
12.25
